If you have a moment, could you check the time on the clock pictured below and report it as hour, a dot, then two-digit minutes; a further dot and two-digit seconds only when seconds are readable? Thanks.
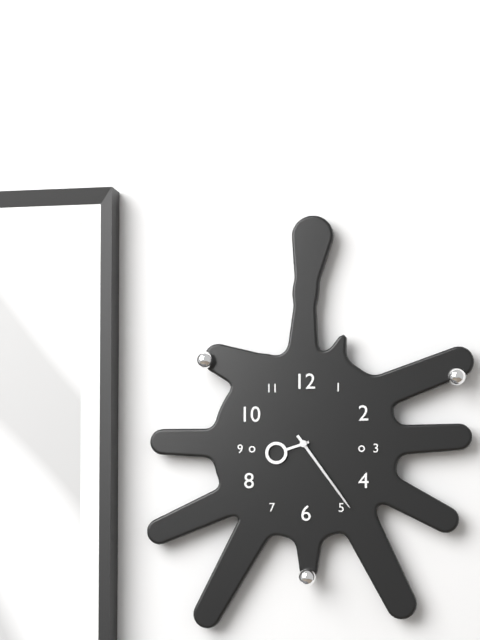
8.24
